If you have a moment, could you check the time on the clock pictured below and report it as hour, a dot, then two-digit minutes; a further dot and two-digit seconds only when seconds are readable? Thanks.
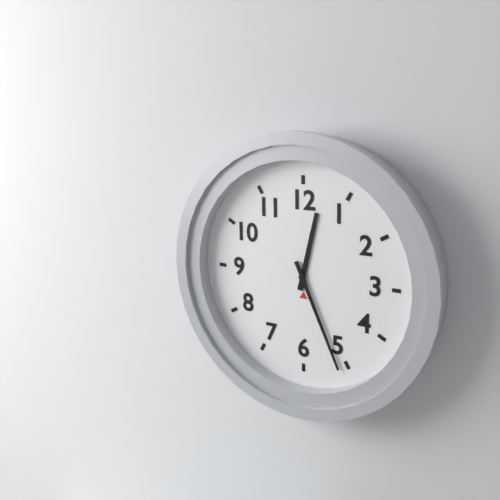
12.26
